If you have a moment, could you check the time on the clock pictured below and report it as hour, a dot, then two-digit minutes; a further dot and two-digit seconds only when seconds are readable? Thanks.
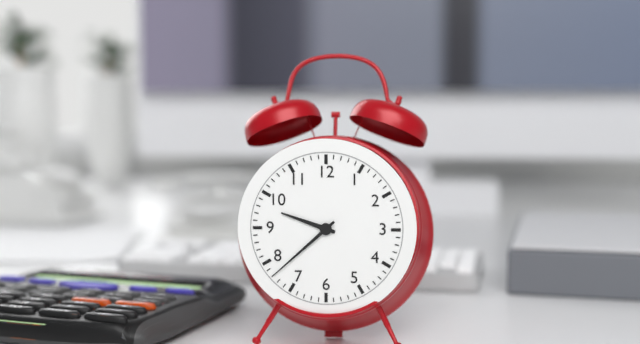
9.38
